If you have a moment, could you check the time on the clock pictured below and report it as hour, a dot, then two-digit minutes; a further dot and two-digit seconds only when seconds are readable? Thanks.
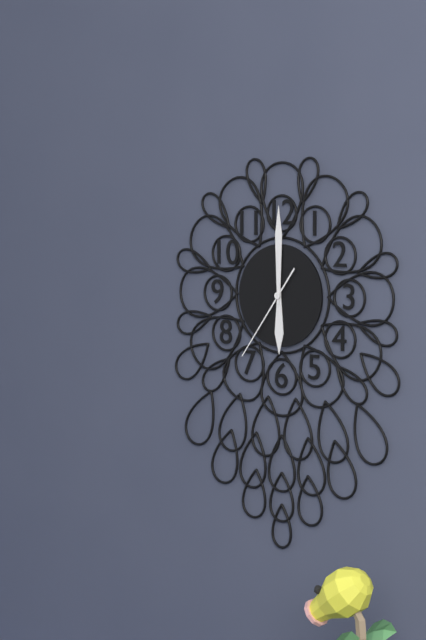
6.00.36
